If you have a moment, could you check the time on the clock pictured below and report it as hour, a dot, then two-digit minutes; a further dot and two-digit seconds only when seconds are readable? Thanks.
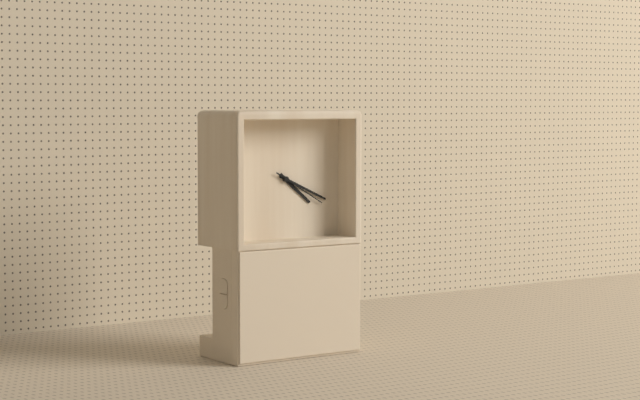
4.19.20
